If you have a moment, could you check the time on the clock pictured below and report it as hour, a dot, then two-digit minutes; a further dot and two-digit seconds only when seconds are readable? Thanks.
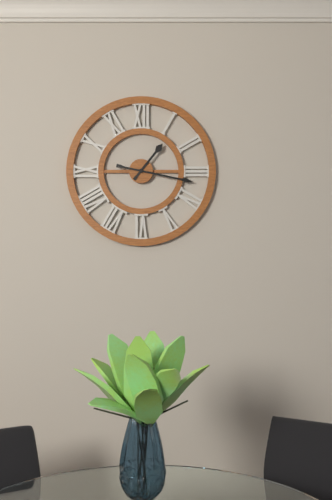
1.17
